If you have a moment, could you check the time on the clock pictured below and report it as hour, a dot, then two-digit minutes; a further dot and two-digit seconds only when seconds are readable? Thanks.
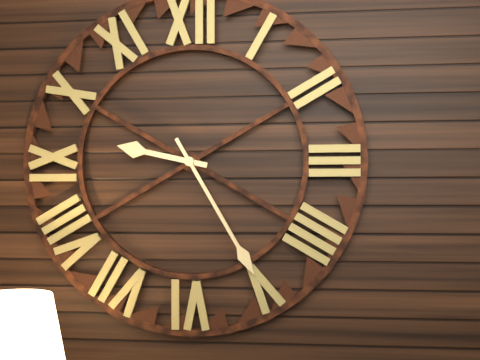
9.25
